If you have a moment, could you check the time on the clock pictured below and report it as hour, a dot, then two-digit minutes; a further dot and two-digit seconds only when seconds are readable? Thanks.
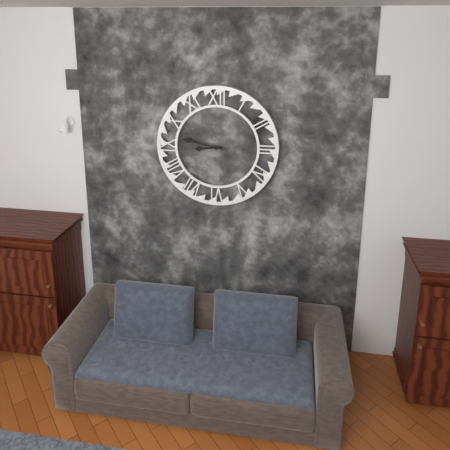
8.47
